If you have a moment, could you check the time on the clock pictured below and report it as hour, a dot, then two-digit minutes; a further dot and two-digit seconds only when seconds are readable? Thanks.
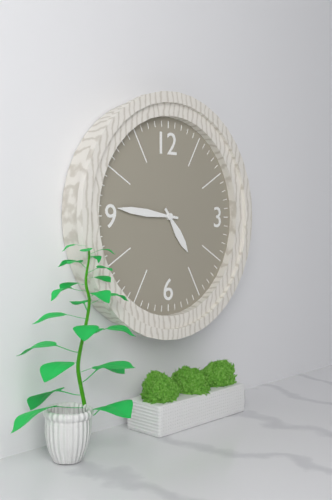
4.46
